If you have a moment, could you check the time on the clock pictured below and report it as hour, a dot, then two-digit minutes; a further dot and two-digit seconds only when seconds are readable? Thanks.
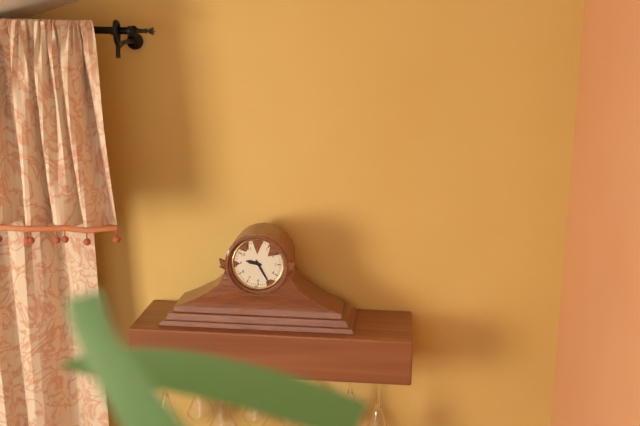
9.25
